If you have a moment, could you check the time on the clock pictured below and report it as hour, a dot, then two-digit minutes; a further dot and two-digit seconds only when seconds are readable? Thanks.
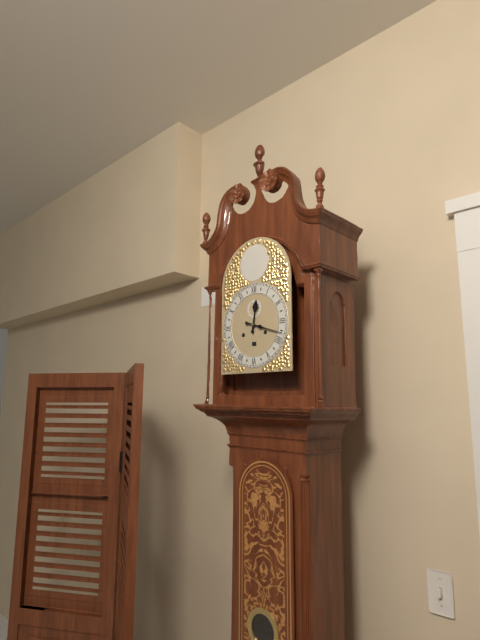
12.18
